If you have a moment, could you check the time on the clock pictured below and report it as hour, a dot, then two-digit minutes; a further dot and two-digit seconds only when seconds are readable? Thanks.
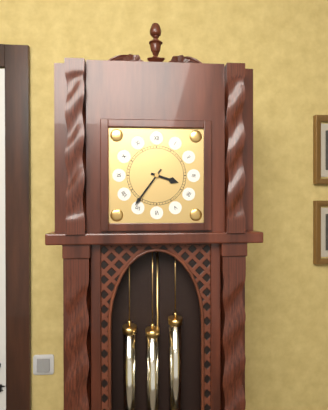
3.36
